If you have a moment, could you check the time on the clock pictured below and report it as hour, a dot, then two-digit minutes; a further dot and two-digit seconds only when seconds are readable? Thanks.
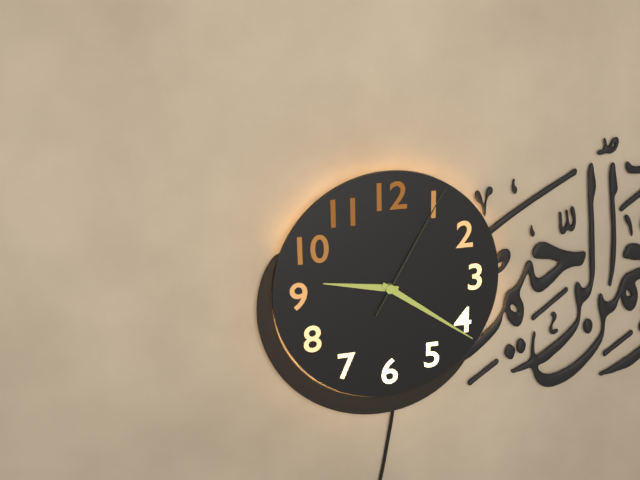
9.21.05
